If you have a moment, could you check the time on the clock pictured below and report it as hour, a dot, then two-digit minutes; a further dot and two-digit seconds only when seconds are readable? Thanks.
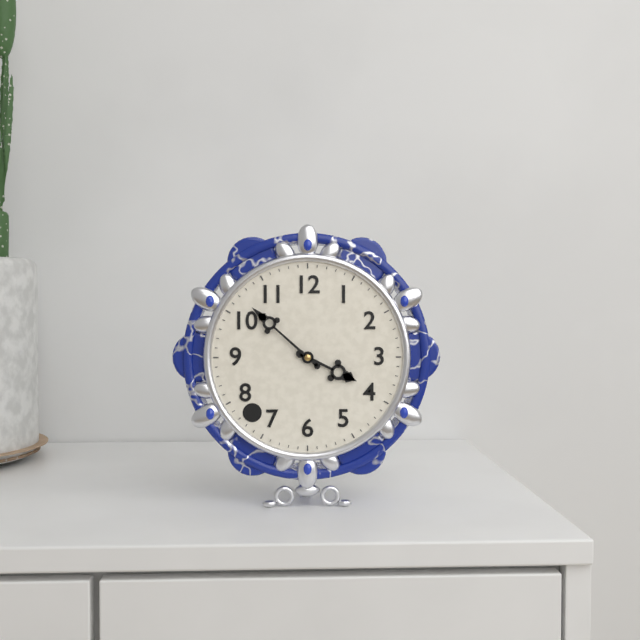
3.52
